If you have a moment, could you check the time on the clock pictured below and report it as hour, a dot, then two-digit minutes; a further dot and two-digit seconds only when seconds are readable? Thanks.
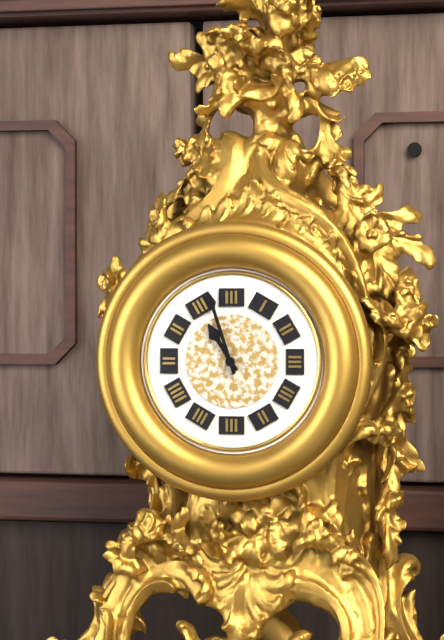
10.57
